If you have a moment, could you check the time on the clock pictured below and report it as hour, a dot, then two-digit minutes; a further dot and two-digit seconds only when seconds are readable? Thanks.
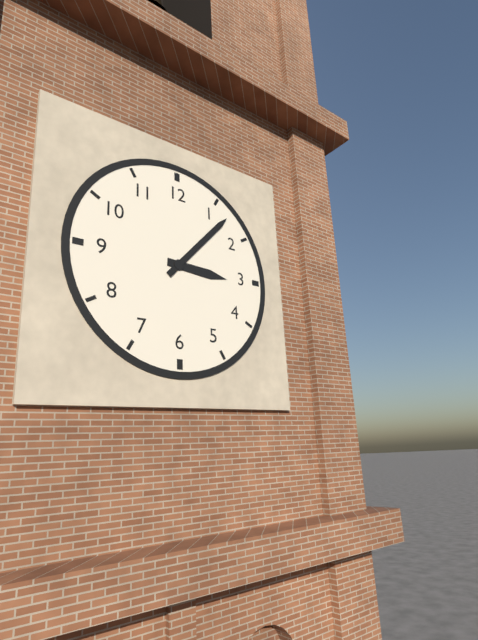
3.07
